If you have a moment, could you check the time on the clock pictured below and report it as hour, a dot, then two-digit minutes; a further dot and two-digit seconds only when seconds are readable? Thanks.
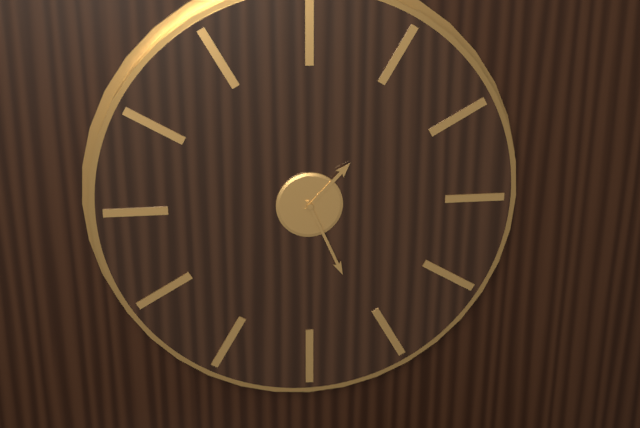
1.26
